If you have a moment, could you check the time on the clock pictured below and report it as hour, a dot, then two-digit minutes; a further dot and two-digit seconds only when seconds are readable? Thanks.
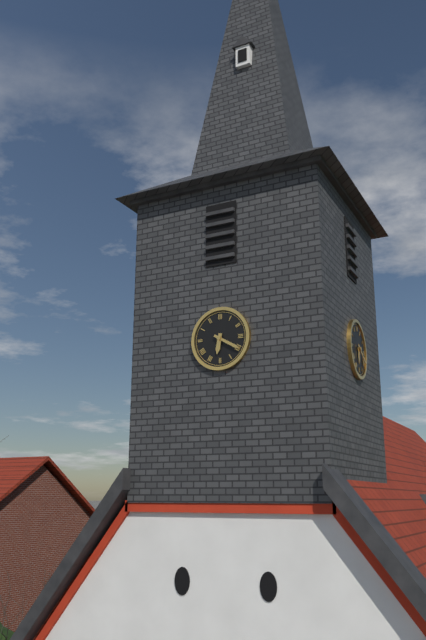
6.20
